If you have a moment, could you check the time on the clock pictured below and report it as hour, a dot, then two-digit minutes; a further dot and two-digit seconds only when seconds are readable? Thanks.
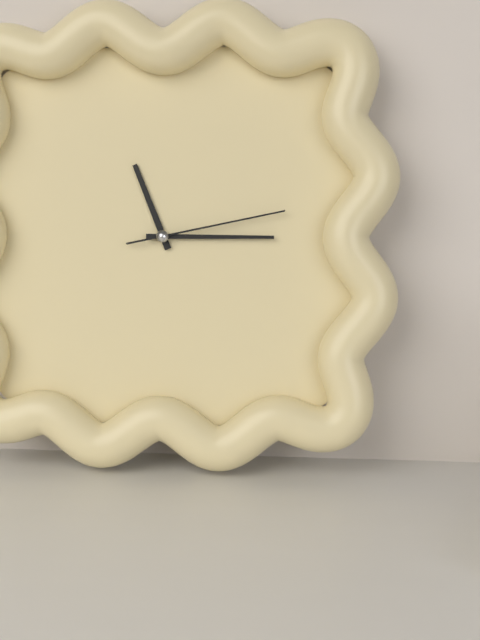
11.15.13
